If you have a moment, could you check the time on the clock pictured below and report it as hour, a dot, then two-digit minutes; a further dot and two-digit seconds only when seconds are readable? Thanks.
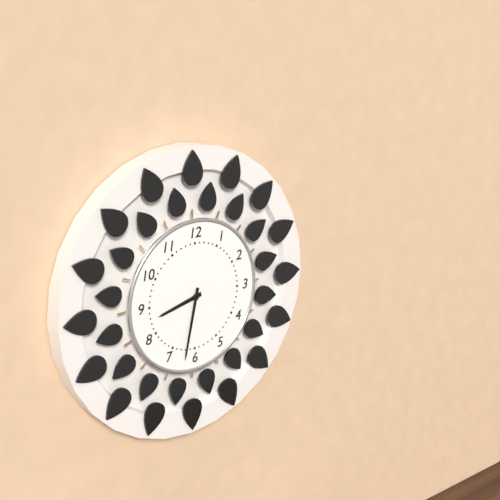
8.32
